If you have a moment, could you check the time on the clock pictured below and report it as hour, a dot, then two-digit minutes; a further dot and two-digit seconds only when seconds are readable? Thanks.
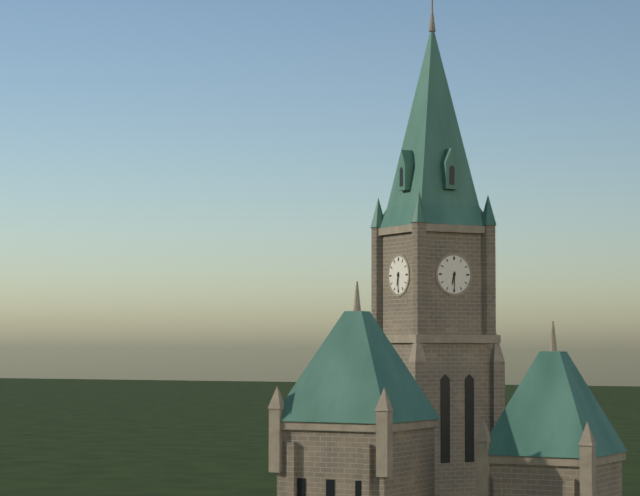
6.30
